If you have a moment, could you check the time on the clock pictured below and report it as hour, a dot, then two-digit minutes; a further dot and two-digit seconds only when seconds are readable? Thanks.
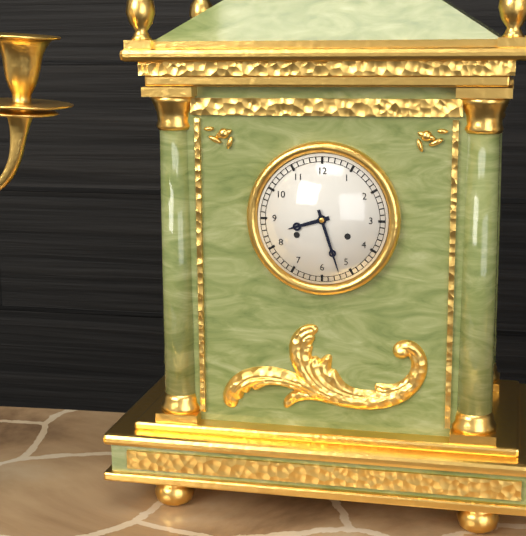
8.27
